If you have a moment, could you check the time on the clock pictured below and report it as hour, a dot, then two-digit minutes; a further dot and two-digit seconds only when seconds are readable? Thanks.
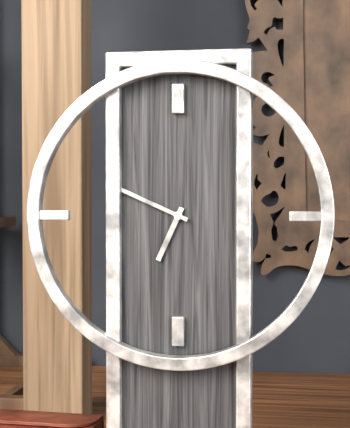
6.49
